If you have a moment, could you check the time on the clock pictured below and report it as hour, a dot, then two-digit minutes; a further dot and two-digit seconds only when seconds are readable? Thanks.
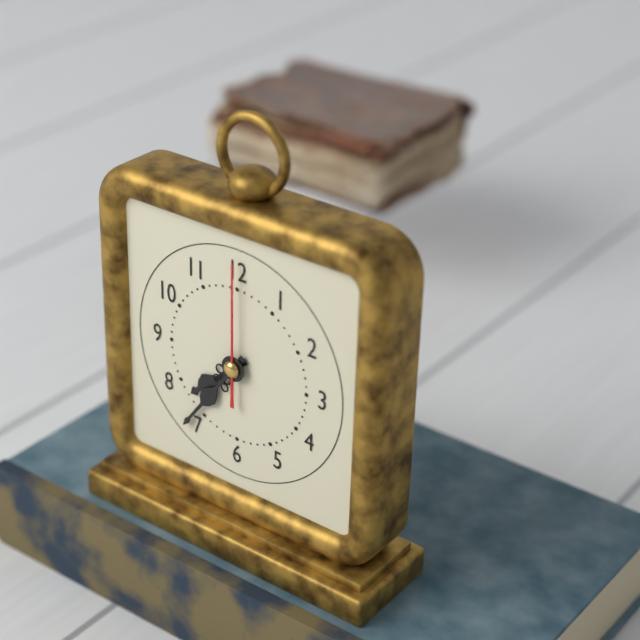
7.36.00
